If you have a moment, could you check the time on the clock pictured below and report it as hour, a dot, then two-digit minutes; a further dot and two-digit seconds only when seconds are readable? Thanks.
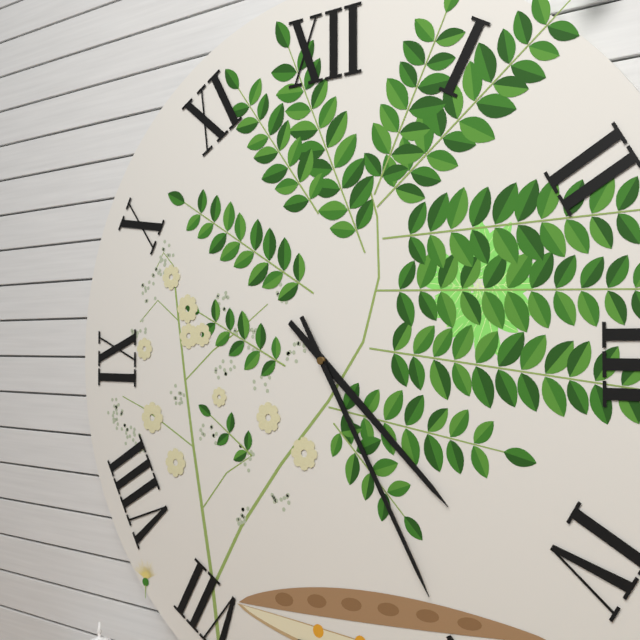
4.25
